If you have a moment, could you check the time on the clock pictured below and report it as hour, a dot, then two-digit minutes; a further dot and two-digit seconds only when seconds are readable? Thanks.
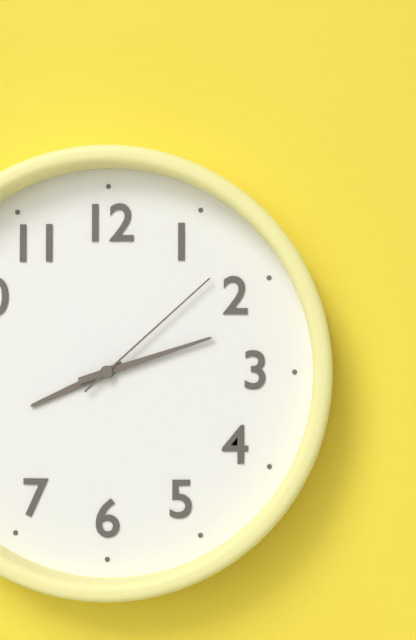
8.12.08
